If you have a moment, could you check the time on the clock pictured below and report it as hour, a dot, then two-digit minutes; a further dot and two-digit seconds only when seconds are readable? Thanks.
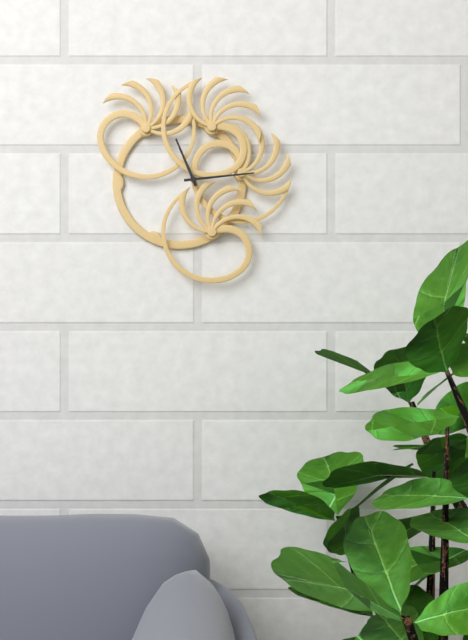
11.14
